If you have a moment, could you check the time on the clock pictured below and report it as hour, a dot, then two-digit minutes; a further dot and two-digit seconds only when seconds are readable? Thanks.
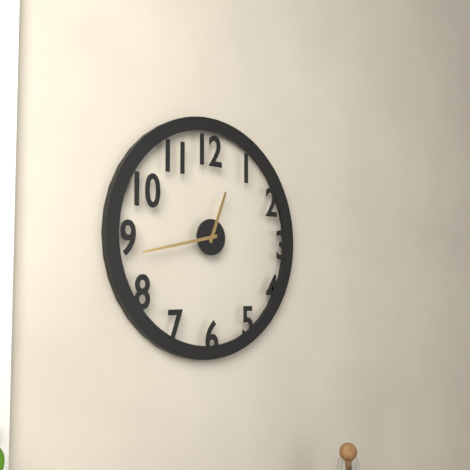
12.43
